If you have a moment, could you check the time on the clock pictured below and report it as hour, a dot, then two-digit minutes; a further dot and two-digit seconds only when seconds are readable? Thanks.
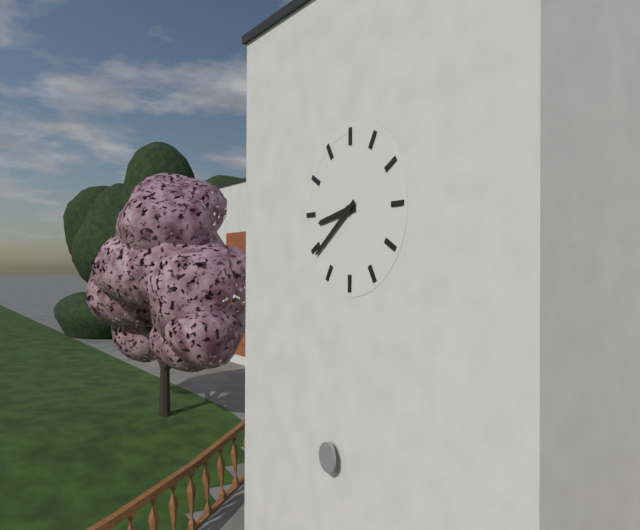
8.39
